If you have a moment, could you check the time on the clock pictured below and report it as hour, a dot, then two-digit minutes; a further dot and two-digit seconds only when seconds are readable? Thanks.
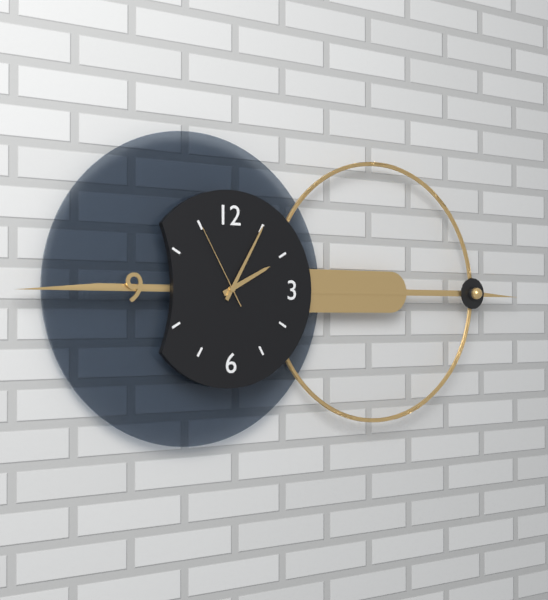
2.05.55
